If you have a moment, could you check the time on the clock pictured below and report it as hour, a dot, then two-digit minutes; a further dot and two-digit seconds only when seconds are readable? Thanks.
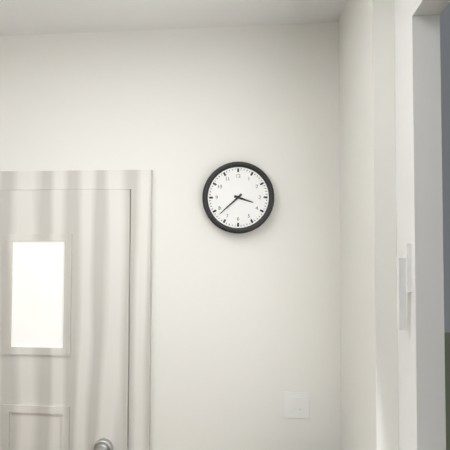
3.38
